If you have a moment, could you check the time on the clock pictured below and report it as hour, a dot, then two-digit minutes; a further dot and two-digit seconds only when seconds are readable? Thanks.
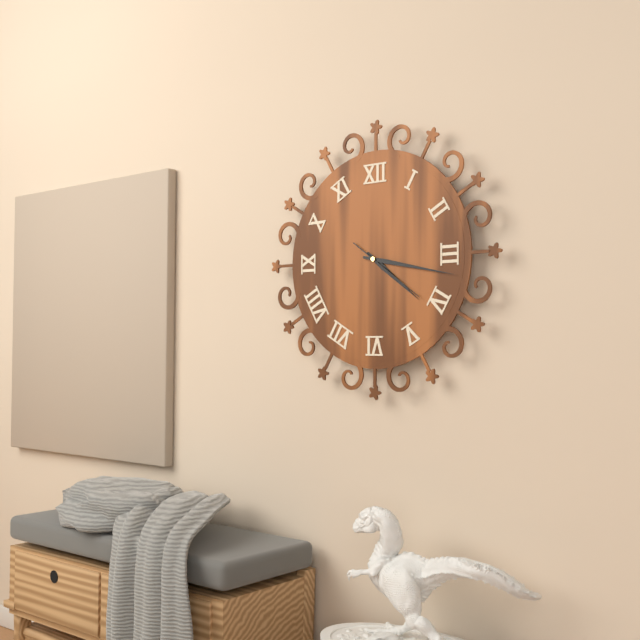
4.17.21
